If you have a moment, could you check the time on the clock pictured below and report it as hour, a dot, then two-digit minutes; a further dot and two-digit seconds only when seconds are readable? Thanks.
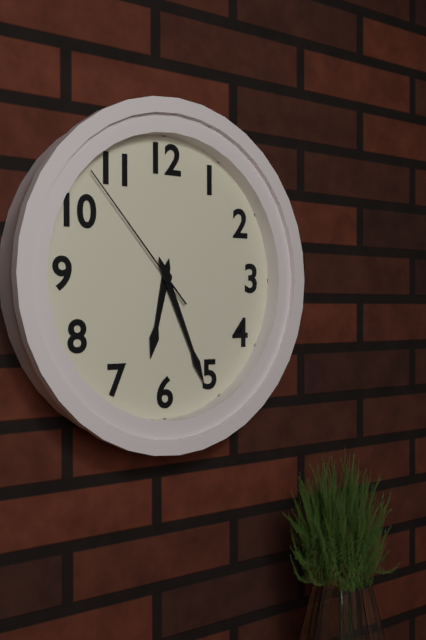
6.26.53
